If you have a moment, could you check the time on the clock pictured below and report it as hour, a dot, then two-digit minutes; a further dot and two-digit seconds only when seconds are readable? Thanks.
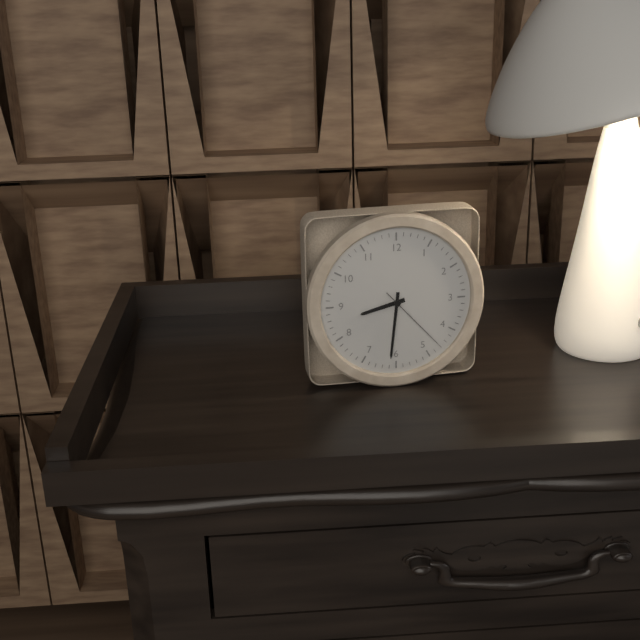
8.31.23
